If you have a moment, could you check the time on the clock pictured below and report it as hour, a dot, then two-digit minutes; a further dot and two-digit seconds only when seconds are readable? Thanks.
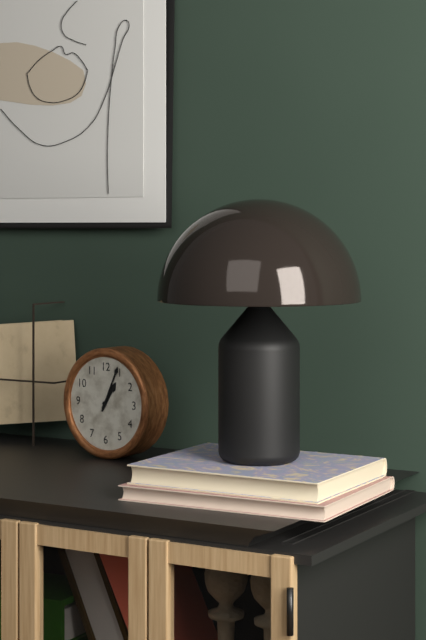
1.04
